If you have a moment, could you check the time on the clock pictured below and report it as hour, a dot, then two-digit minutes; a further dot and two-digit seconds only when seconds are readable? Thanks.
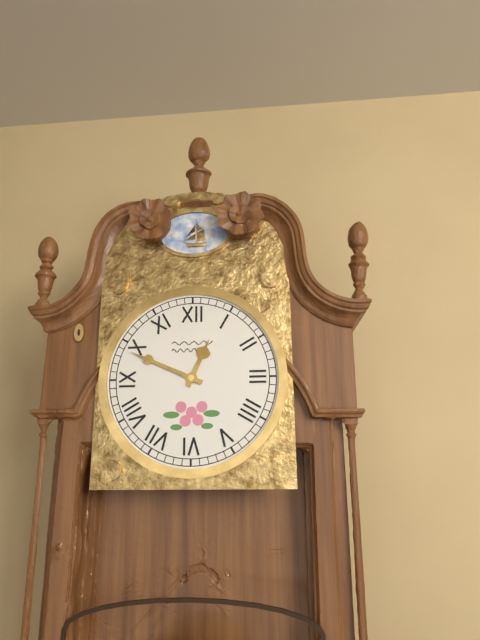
12.49
